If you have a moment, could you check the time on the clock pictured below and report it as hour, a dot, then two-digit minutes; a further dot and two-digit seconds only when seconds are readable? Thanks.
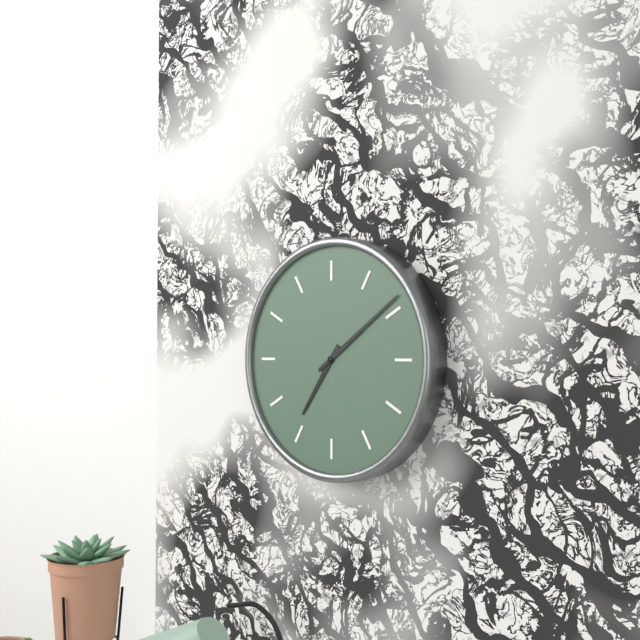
7.09
